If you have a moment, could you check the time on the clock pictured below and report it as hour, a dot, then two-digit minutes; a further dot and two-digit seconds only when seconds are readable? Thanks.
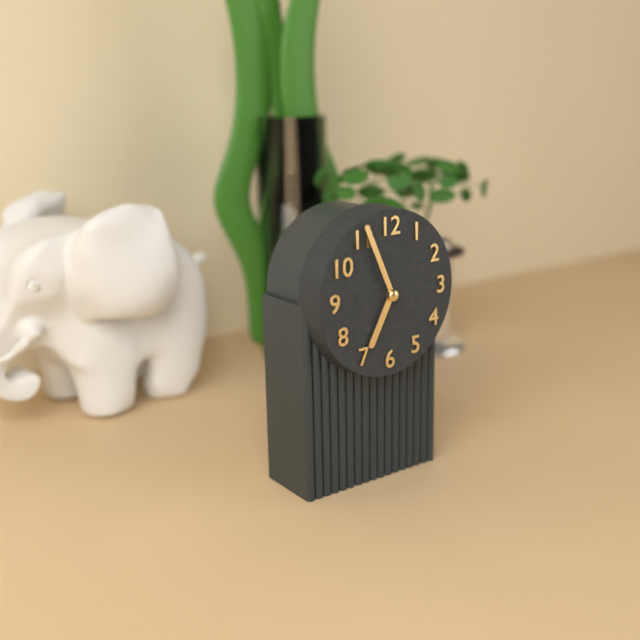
6.56
